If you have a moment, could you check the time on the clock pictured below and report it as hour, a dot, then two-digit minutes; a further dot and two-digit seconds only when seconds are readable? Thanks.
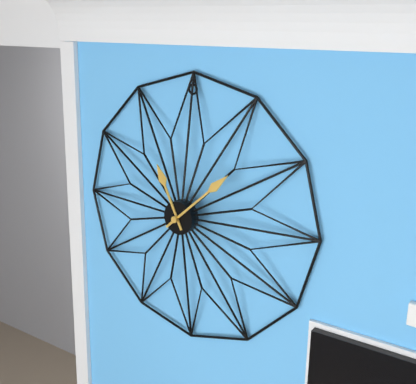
11.08
